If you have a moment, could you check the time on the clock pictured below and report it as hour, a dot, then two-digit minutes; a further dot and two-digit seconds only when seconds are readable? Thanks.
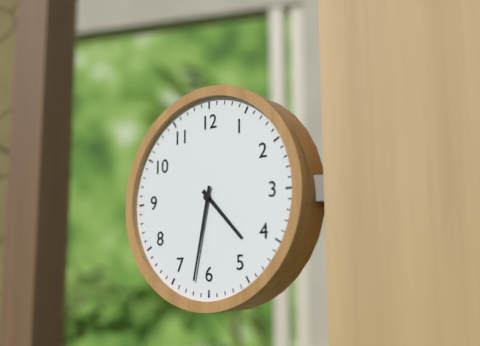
4.32
